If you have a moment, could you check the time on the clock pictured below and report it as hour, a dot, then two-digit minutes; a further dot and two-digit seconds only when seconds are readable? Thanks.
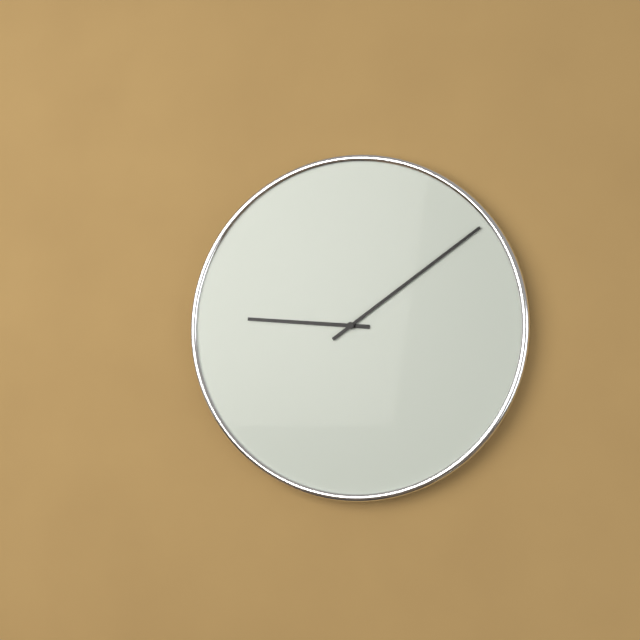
9.09
